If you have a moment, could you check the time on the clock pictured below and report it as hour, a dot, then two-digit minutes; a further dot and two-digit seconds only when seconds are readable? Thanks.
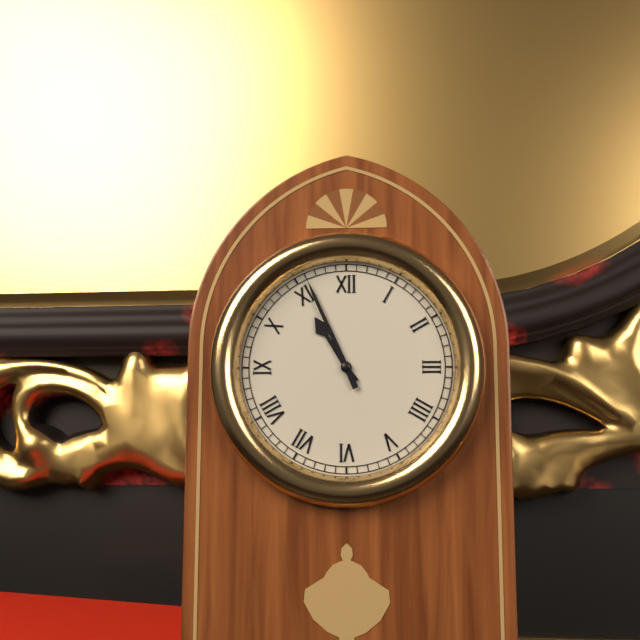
10.56
